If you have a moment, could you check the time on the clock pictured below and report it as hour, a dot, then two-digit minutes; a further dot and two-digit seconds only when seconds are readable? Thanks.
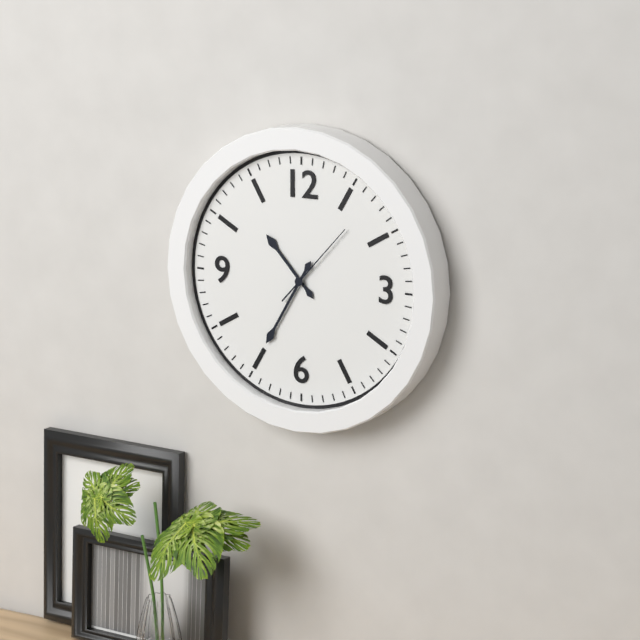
10.35.07
